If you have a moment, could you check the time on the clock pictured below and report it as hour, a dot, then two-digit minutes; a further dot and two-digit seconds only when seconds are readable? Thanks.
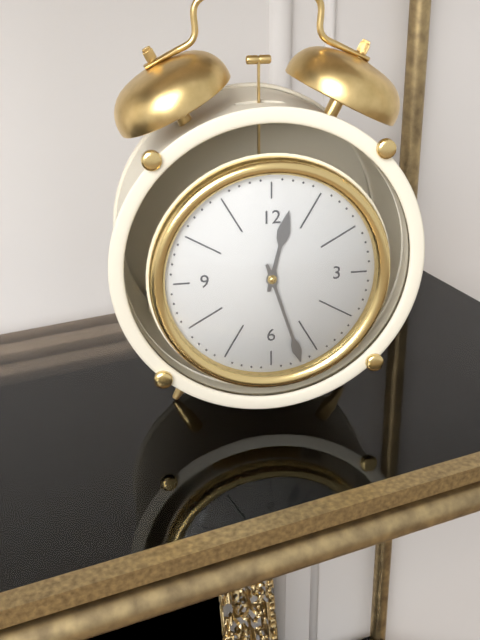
12.27
